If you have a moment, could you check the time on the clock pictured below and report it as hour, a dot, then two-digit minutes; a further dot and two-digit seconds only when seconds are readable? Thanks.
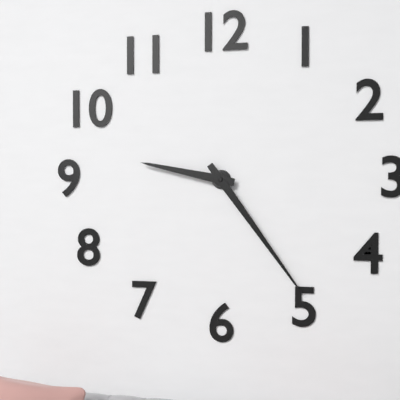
9.24
